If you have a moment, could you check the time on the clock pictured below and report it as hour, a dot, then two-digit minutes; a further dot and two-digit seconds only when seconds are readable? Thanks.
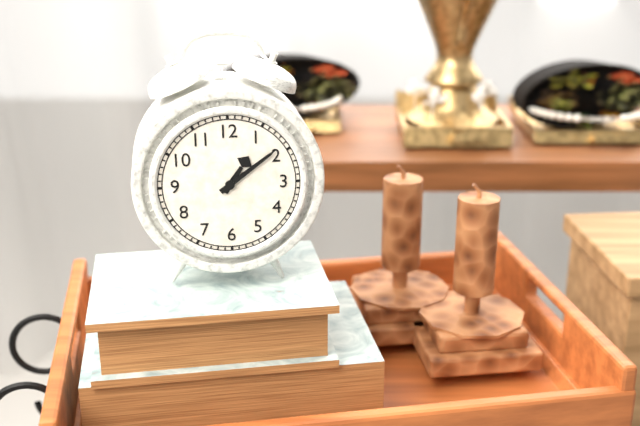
1.09
